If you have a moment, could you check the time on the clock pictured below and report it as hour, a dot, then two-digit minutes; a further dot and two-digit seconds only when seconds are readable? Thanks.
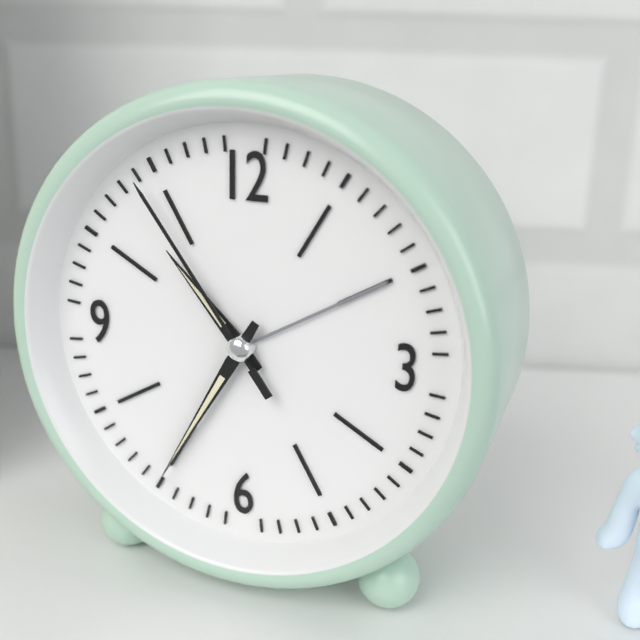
10.35.54
